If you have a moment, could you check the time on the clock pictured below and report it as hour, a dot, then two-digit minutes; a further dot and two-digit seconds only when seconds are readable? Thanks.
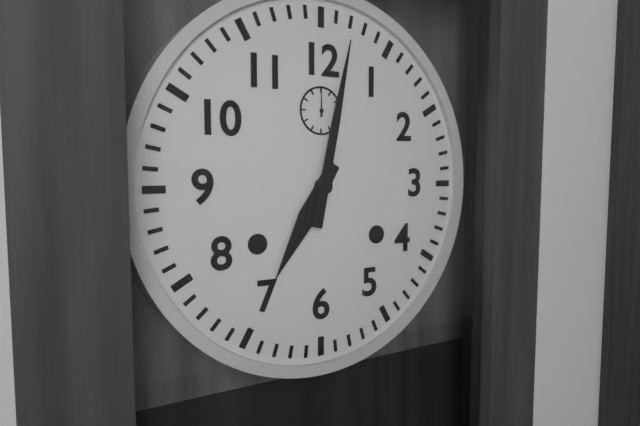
7.02
